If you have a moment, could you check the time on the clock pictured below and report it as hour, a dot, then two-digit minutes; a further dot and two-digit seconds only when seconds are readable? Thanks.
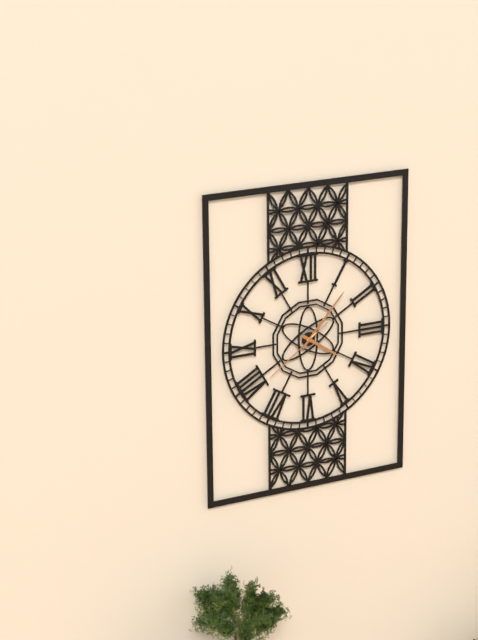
4.07.39
